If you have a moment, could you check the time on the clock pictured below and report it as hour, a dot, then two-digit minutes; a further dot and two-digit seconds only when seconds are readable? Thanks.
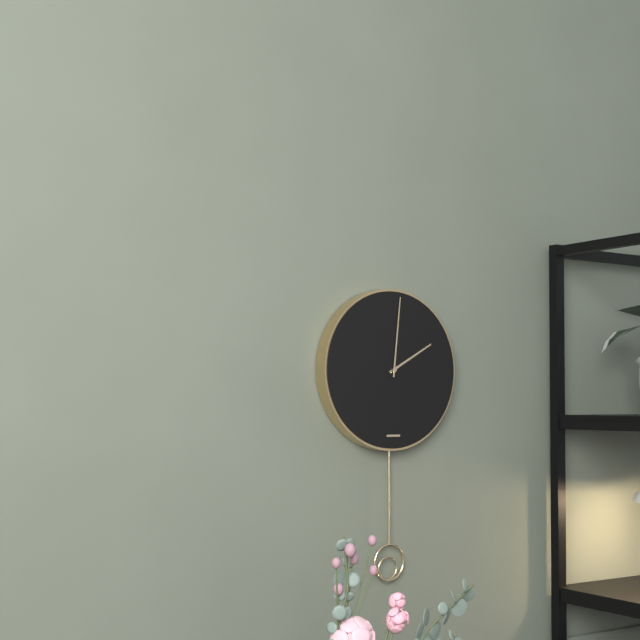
2.01
